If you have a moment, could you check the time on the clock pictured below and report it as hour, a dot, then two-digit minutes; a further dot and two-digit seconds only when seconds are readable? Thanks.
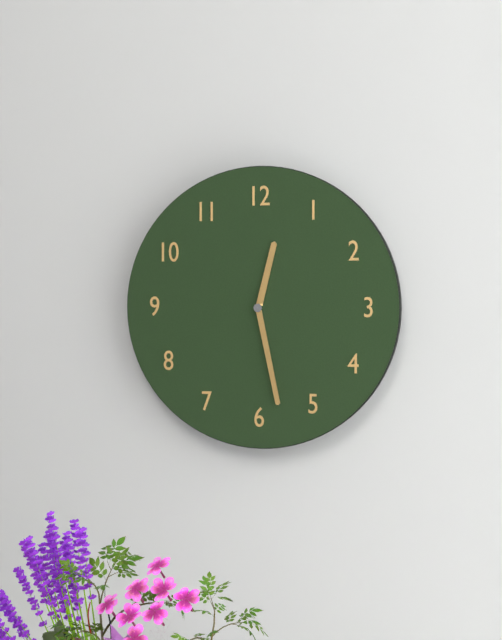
12.28
